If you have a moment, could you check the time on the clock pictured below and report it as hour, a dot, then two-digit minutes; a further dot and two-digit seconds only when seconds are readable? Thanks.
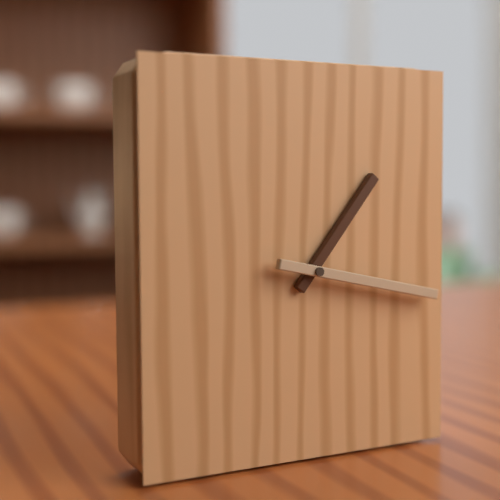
1.17
